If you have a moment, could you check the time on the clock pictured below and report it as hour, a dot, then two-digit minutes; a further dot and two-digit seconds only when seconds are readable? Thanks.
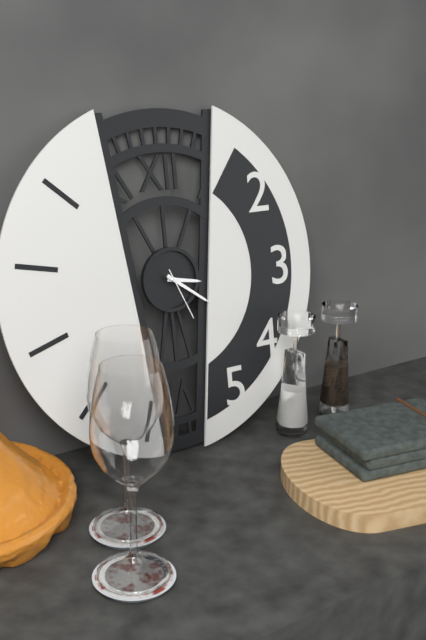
3.21.26
